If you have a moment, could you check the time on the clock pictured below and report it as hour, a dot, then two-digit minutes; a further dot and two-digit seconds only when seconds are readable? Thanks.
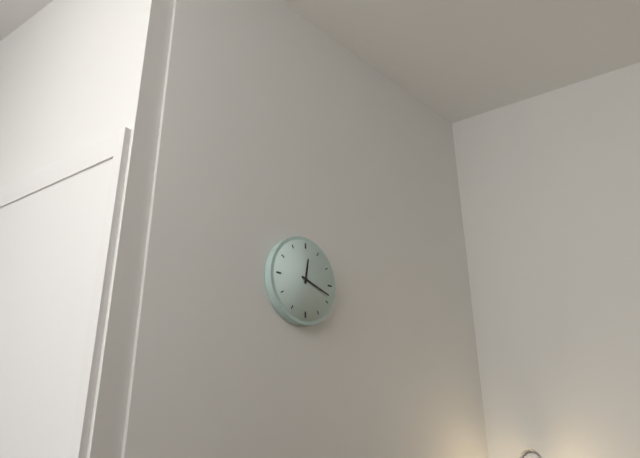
12.18
